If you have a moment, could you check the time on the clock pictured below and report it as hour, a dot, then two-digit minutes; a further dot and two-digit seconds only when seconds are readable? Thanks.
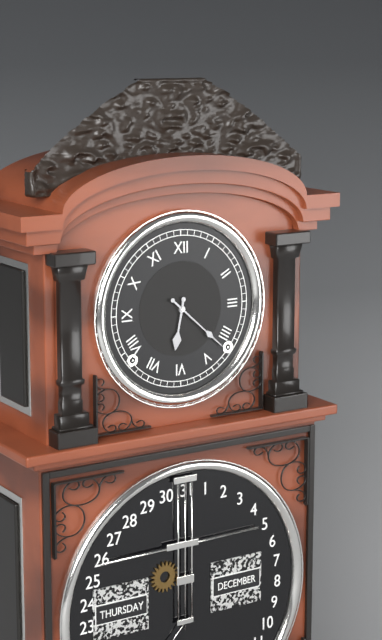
6.22
